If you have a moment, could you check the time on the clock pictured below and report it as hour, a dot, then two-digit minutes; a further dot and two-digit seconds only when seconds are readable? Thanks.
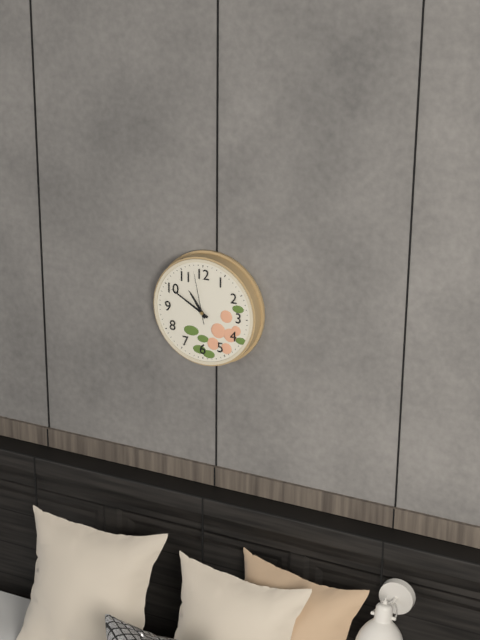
10.50.58
